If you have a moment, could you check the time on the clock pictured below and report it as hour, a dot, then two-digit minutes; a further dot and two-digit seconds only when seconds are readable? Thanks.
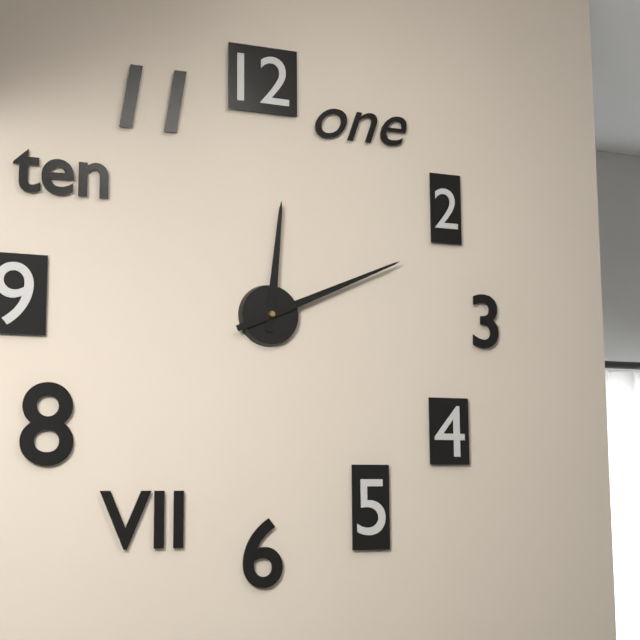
12.11
